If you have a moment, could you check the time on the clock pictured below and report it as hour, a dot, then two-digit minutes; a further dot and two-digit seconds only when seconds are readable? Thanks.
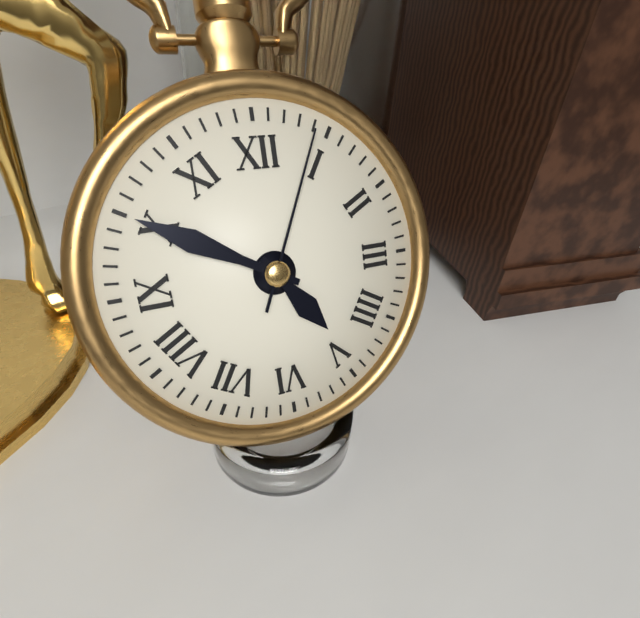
4.50.04
